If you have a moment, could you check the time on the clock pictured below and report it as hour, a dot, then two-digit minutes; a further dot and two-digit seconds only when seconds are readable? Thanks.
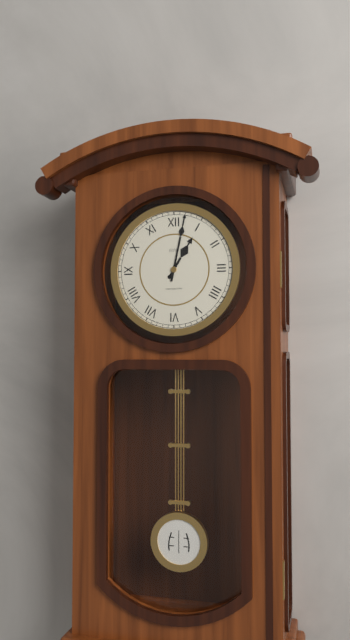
1.02
